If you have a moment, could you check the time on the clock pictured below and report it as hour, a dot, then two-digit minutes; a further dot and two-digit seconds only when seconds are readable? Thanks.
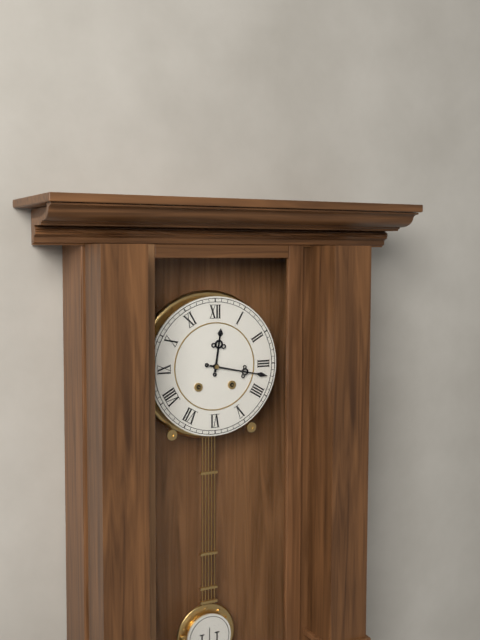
12.17
